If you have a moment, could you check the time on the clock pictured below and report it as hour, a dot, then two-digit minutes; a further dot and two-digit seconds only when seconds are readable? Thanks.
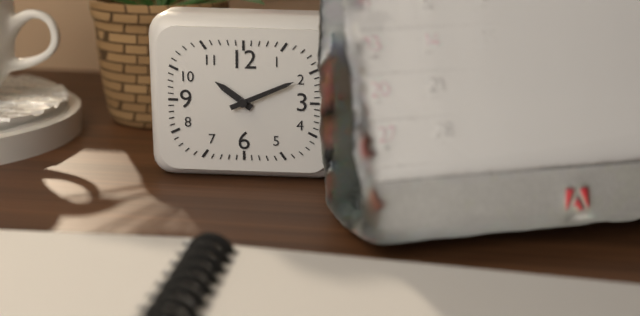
10.11
